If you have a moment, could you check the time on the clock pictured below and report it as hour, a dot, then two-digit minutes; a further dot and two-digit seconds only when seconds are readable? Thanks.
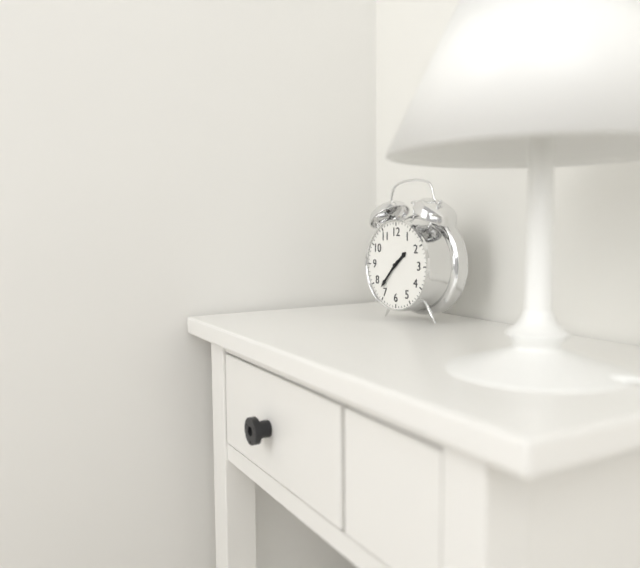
1.37
